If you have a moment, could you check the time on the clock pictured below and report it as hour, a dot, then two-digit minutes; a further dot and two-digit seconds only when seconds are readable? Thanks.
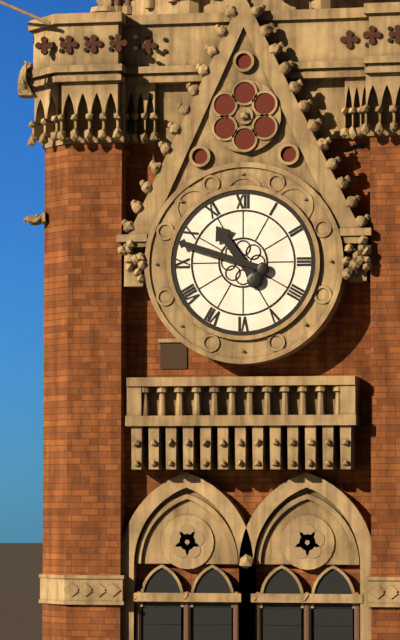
10.48
